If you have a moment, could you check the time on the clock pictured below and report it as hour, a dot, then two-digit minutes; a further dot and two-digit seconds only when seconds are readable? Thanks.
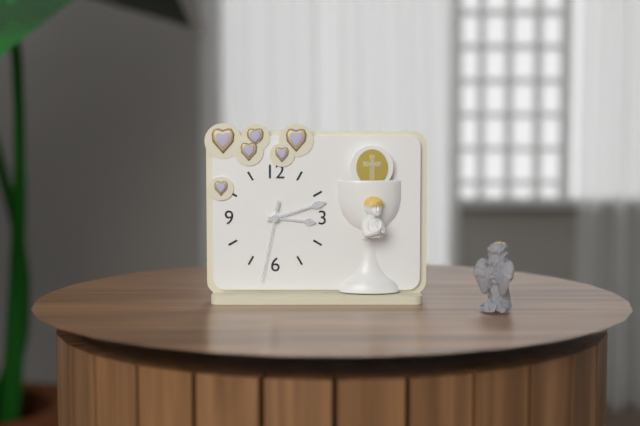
3.12.32
